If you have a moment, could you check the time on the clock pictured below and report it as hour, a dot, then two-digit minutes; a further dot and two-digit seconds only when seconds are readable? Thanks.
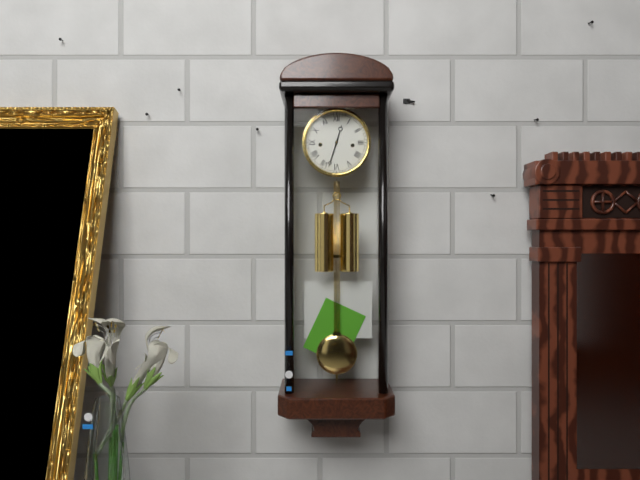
12.33
